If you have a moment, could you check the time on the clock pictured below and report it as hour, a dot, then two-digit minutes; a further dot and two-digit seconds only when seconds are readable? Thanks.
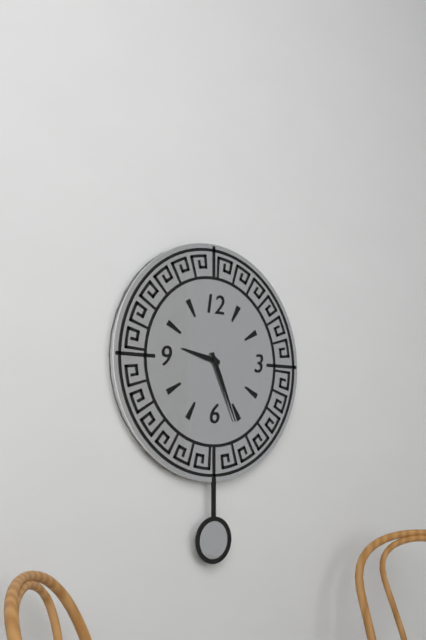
9.26
